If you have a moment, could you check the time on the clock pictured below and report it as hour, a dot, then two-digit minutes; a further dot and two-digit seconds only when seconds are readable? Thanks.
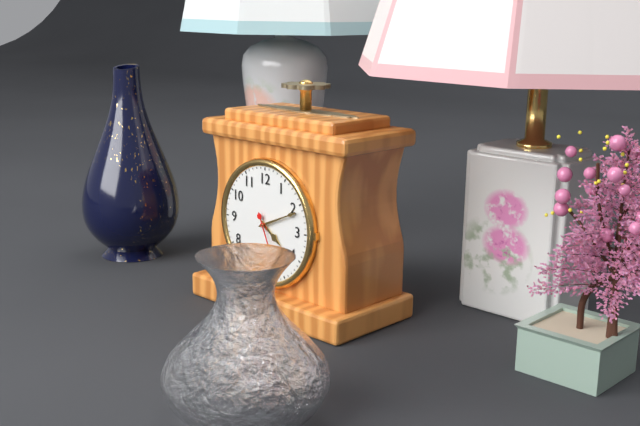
4.11.26
